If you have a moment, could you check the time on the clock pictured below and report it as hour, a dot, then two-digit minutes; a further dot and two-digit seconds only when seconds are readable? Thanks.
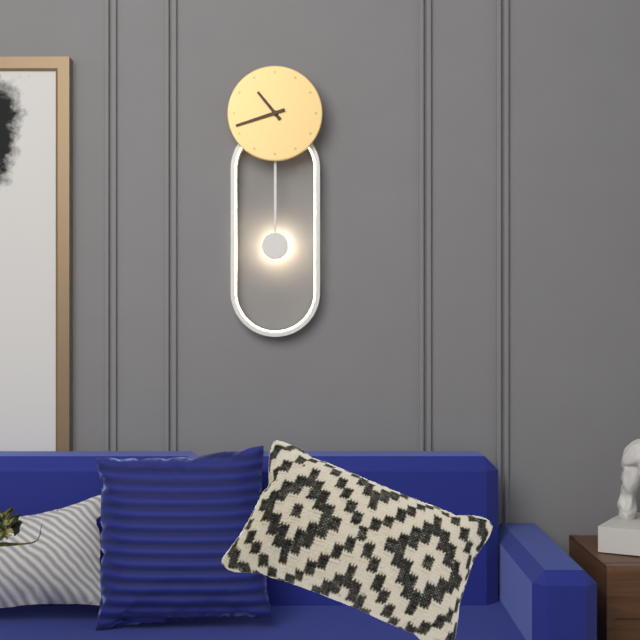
10.42
